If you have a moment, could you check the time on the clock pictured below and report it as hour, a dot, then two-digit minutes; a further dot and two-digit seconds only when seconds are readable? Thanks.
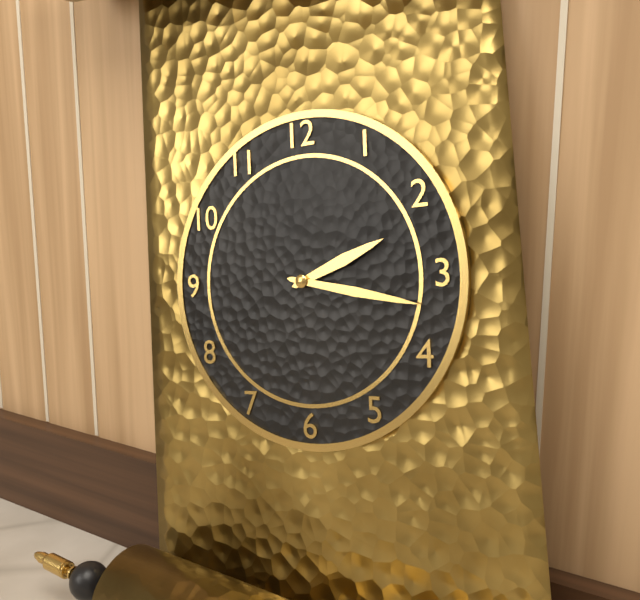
2.17
